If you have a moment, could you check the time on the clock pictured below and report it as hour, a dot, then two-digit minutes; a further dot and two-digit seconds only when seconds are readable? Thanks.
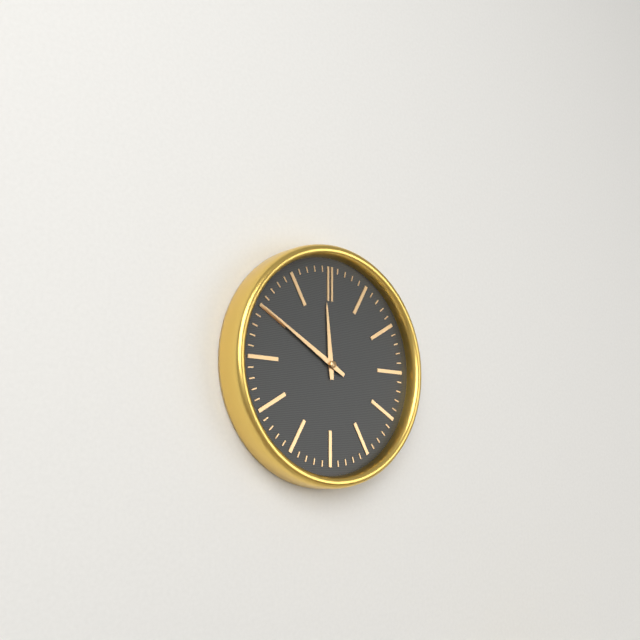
11.50
